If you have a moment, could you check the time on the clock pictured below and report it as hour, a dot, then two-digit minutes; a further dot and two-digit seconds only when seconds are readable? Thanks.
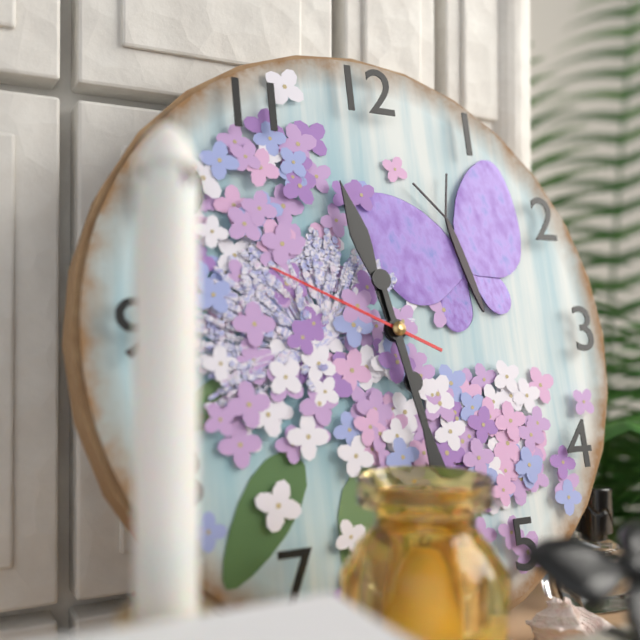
11.28.49
